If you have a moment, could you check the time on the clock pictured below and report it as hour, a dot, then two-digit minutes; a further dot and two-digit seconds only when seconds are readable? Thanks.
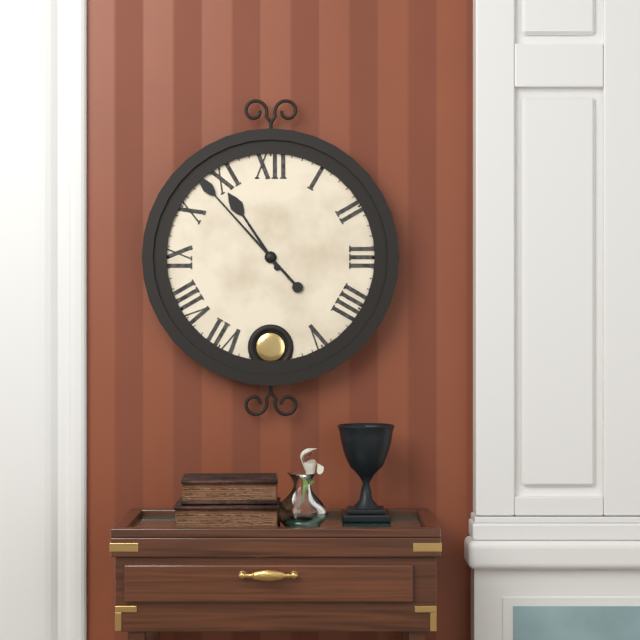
10.53
